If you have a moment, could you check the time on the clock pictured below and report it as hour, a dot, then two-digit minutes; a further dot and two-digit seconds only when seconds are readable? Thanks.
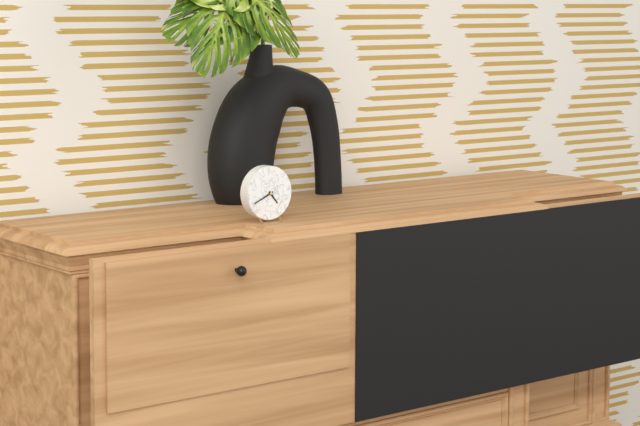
4.41
